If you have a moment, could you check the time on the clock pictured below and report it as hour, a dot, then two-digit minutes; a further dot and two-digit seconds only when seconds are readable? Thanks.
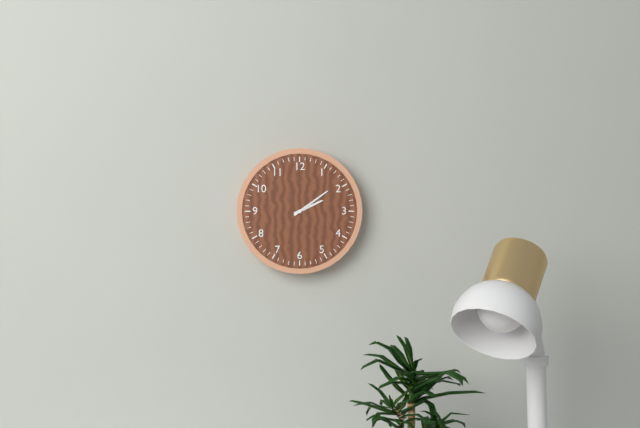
2.09
